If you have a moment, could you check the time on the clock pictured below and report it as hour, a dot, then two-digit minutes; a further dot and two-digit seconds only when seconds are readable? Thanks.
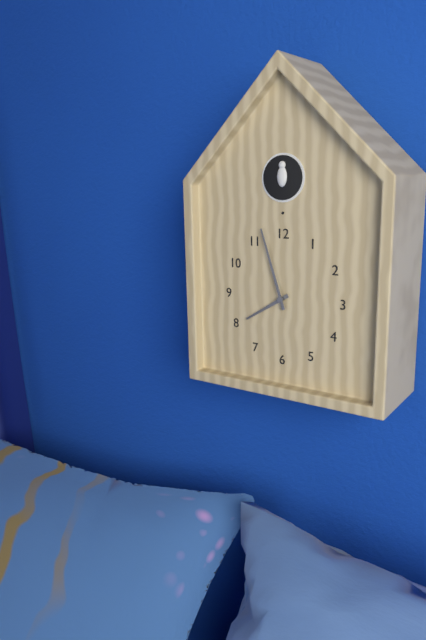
7.57
